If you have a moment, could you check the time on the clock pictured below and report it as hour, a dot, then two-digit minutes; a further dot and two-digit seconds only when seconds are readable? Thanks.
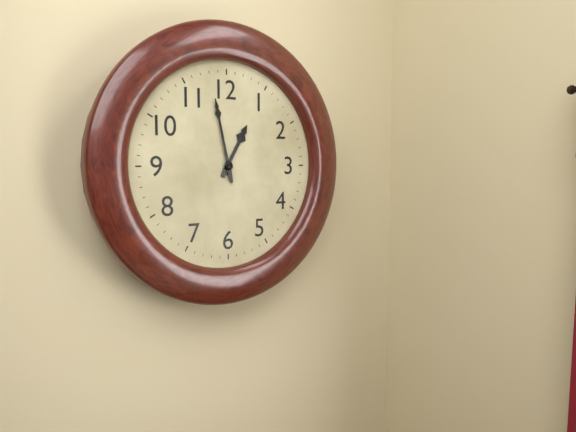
12.58
